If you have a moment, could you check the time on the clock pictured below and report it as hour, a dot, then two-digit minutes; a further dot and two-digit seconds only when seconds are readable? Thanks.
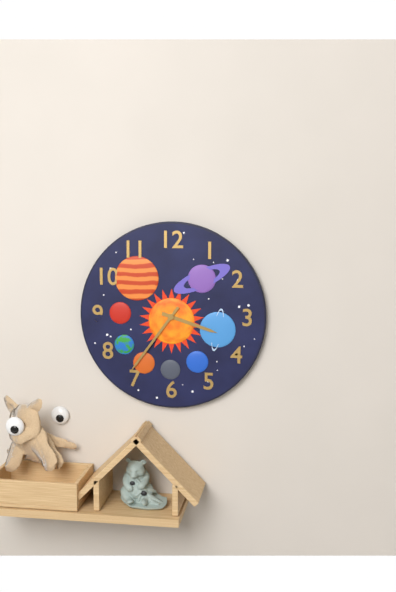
3.36
